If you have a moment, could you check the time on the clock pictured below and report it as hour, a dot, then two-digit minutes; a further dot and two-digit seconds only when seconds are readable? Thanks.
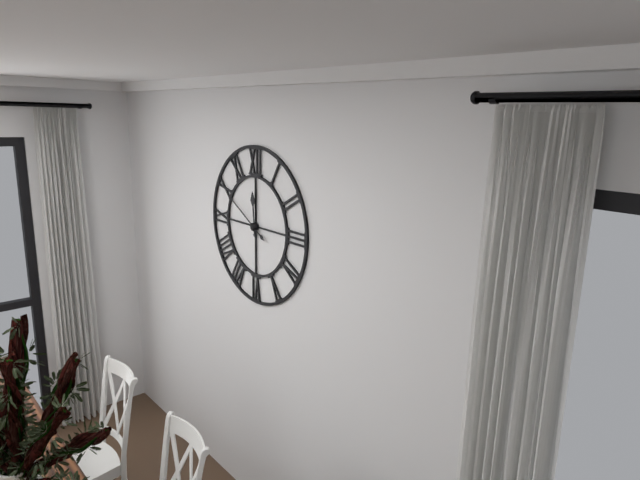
11.50
